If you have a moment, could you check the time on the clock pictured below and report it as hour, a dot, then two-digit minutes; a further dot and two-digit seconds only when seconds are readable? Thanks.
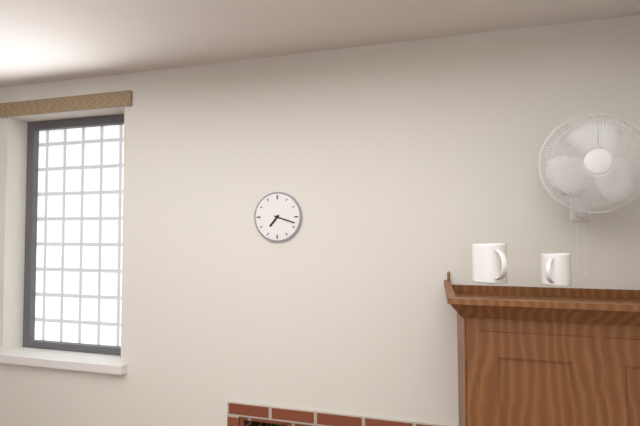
7.18
